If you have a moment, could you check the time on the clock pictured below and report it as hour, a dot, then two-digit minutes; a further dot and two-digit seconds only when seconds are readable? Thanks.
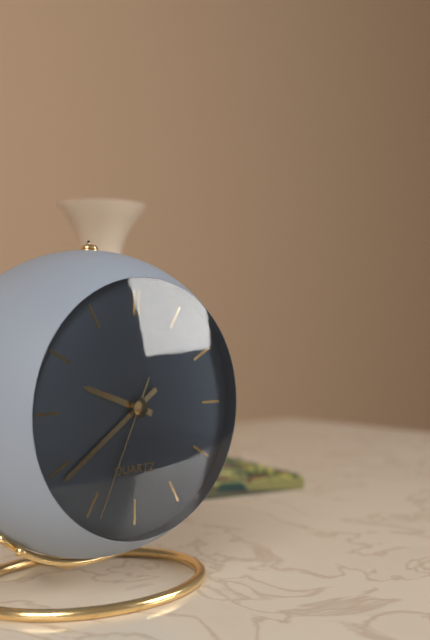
9.39.34
